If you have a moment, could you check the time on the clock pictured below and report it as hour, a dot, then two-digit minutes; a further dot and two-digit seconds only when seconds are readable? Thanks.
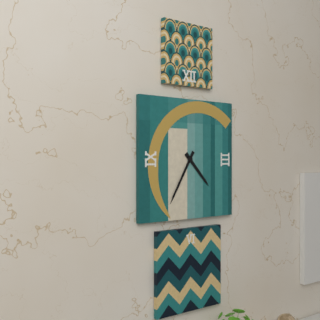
4.35
